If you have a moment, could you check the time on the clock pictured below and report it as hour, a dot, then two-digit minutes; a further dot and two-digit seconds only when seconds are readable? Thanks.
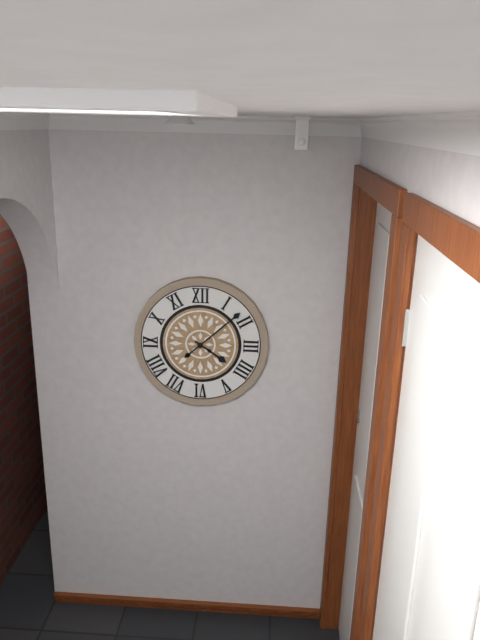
4.08
